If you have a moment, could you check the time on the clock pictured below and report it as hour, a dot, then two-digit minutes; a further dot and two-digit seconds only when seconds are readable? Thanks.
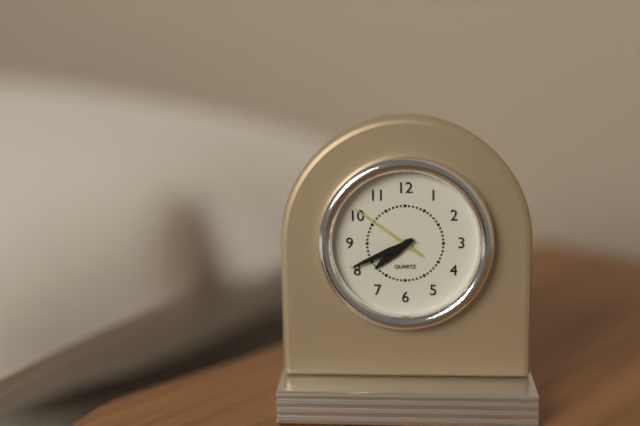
7.41.51
